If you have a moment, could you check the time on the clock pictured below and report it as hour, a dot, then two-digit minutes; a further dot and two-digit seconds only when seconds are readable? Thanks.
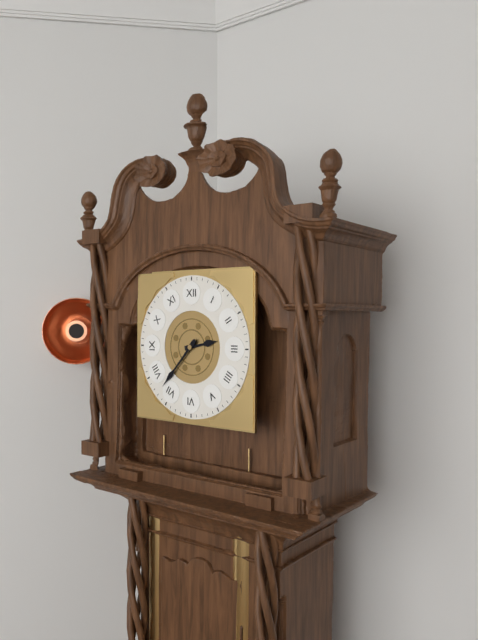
2.37
